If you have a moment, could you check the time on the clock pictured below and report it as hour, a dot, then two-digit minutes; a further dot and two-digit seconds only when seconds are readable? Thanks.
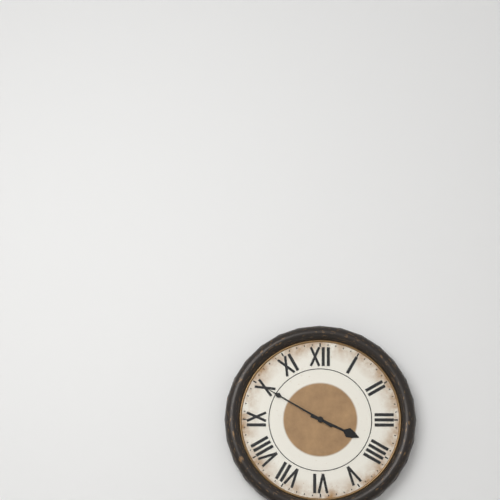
3.50
